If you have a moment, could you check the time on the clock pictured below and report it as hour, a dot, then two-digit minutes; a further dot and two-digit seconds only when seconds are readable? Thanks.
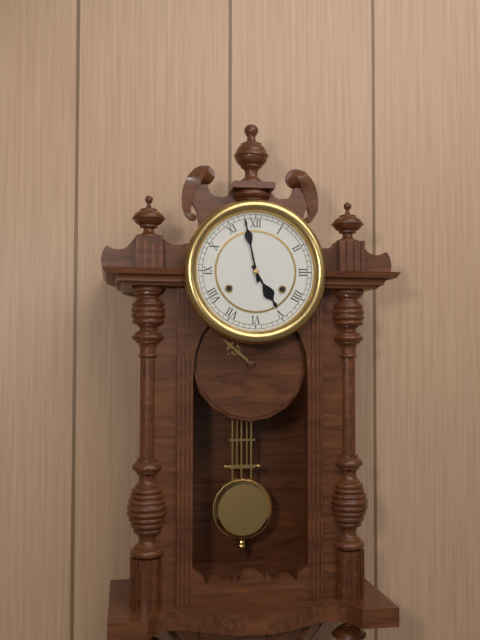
4.58
